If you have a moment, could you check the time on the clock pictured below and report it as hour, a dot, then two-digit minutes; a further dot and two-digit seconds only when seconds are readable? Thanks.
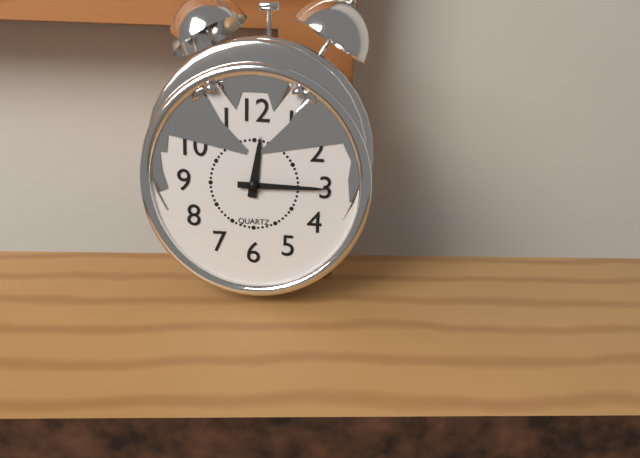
12.15
